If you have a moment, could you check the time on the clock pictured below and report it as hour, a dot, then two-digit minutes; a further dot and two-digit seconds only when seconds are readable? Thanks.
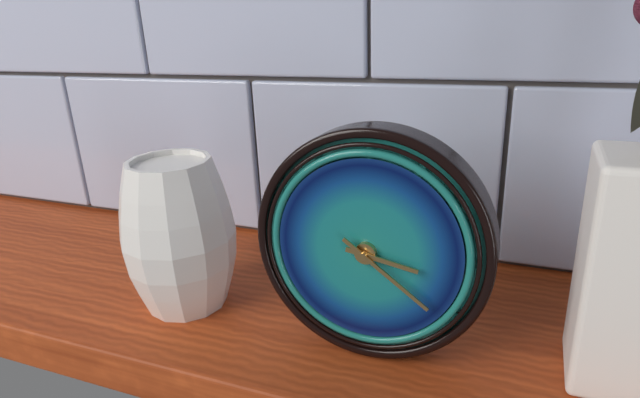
3.21
